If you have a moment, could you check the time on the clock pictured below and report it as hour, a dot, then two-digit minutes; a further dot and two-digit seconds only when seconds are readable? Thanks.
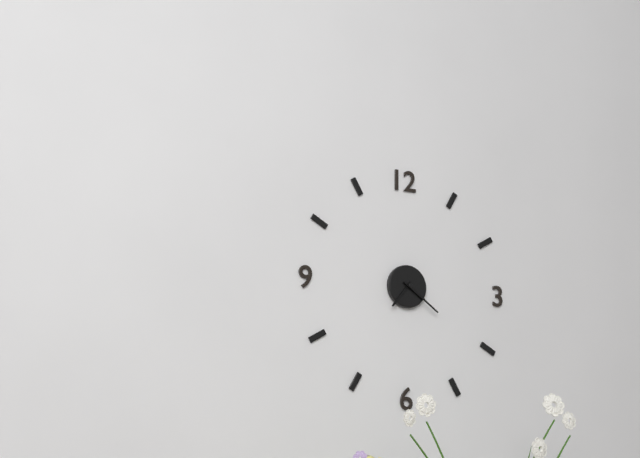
7.21
